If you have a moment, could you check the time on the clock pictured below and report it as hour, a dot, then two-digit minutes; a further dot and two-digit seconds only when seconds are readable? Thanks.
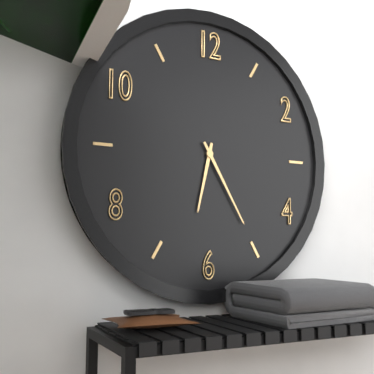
6.25
